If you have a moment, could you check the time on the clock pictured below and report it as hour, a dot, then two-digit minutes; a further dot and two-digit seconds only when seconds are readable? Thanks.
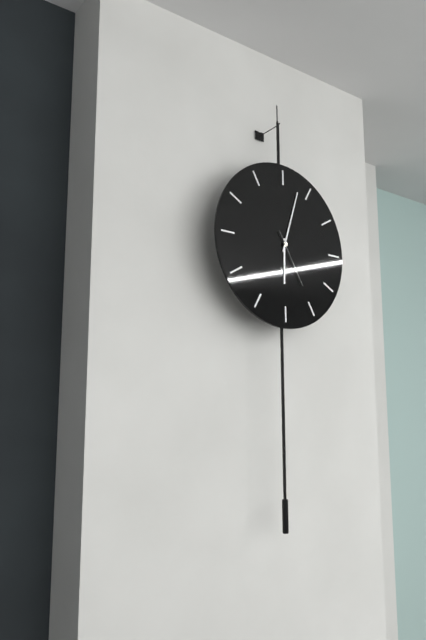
6.03.25
